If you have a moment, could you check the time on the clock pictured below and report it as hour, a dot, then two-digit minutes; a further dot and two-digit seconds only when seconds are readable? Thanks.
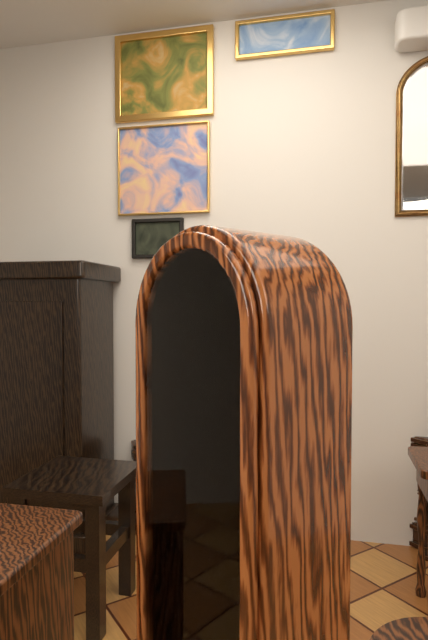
9.08
